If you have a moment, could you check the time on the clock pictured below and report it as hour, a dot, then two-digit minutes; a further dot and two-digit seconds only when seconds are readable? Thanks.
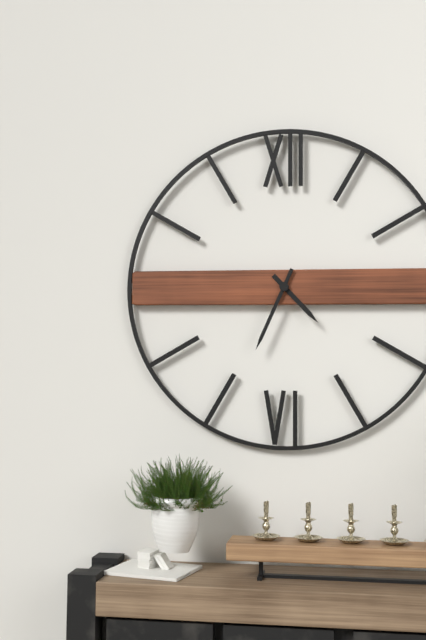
4.34
